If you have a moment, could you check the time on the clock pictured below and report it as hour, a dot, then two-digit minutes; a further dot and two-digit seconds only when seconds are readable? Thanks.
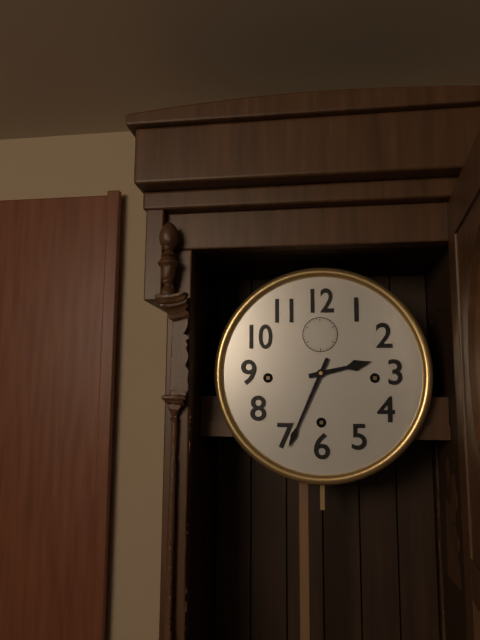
2.34
